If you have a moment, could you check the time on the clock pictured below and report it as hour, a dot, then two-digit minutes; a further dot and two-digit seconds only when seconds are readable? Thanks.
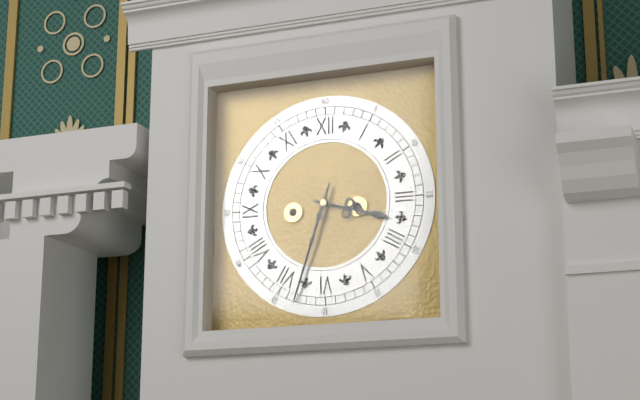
3.33
